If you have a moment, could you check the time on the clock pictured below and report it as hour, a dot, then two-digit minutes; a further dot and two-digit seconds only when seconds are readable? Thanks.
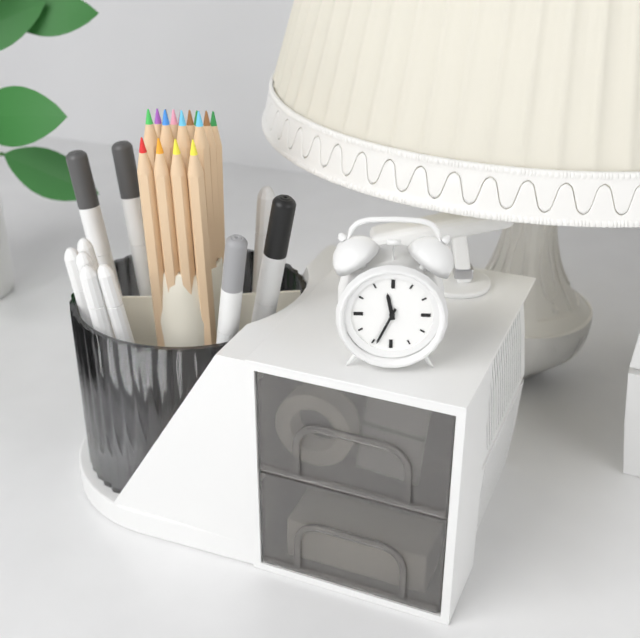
11.34
